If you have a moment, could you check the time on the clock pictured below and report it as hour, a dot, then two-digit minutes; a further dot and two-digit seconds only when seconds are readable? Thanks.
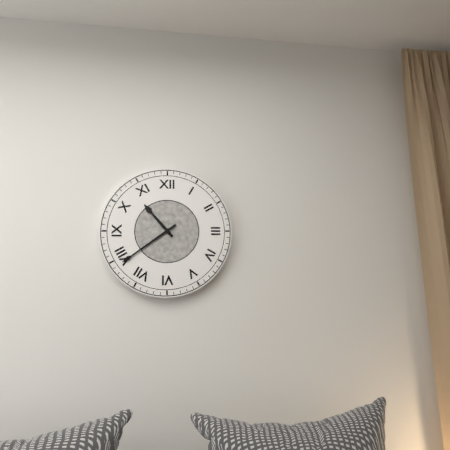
10.39
